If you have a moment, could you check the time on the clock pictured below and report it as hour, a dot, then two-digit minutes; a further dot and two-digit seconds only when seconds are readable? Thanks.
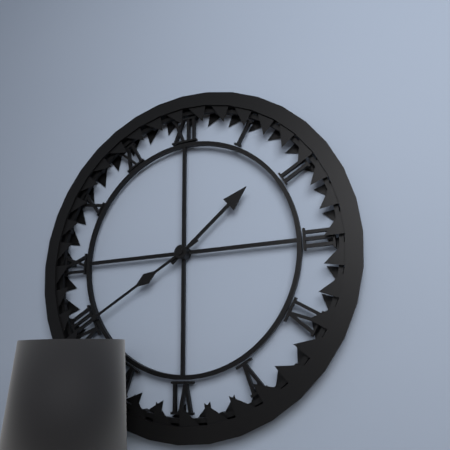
1.40
